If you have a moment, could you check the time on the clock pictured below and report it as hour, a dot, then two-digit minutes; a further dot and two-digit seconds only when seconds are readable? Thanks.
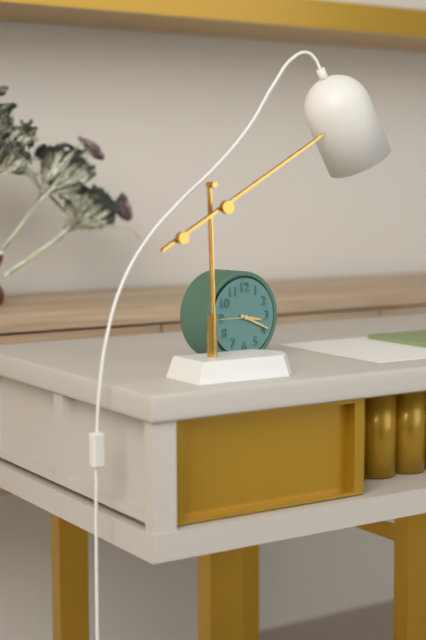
3.19
